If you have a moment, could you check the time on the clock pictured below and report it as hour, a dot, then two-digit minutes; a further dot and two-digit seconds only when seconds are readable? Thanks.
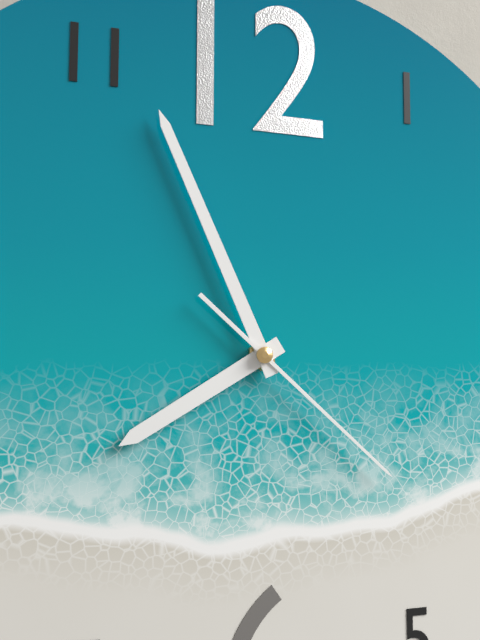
7.56.22
